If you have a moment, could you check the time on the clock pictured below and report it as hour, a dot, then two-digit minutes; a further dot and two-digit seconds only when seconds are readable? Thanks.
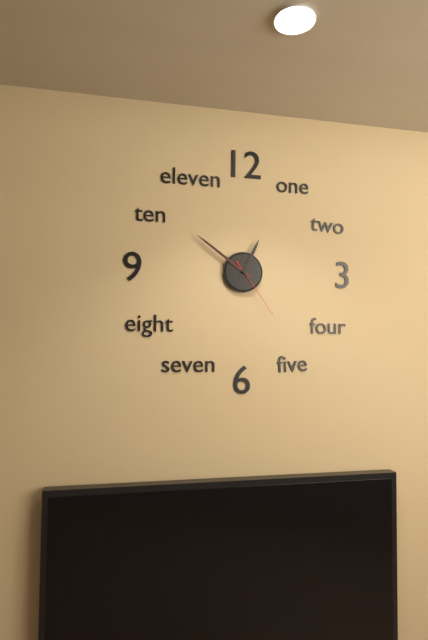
12.51.24
